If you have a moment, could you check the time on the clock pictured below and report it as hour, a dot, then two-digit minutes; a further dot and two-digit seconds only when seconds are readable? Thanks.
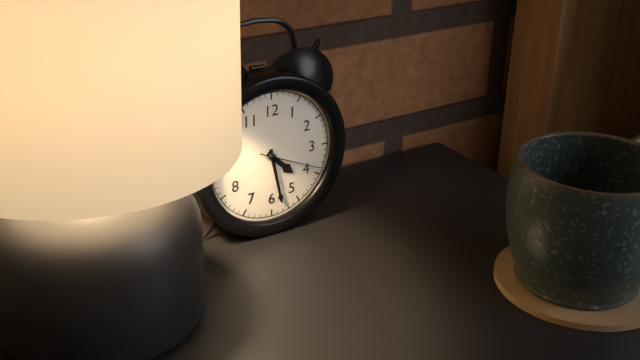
4.28.19
